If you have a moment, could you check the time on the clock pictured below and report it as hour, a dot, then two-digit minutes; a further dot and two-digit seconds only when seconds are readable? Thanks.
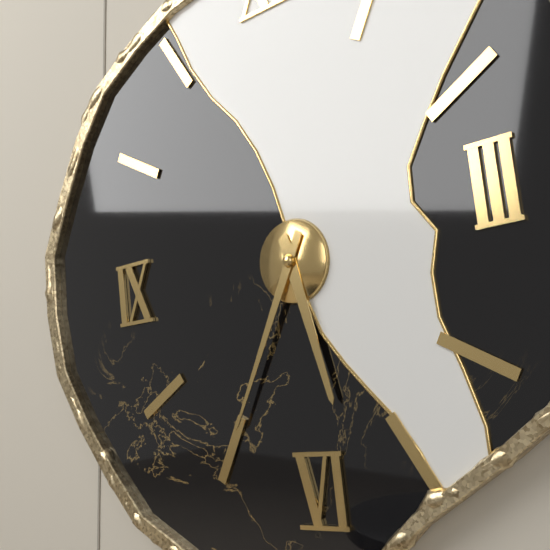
5.35
